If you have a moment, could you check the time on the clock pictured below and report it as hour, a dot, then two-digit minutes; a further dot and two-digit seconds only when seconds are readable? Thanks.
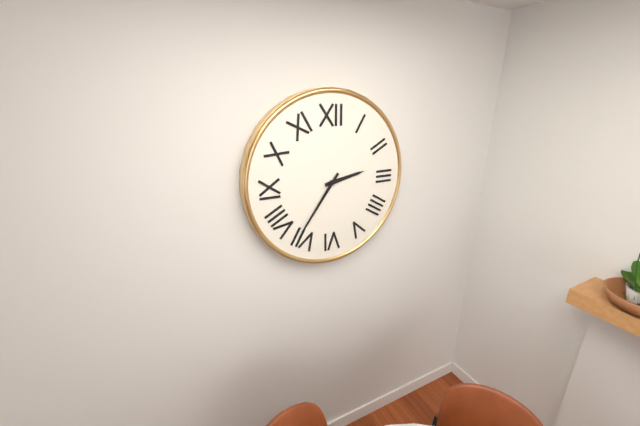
2.36
